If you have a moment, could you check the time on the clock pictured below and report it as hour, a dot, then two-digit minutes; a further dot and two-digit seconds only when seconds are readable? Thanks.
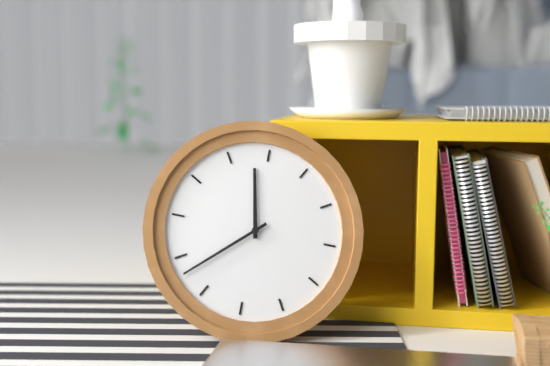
11.38
